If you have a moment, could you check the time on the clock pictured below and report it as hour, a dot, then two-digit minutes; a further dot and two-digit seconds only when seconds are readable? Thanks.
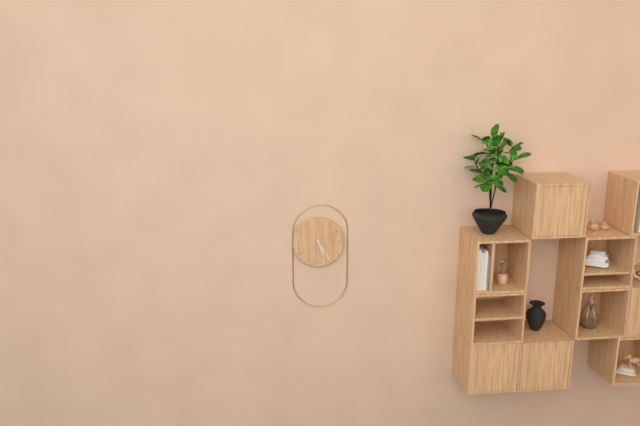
5.25
